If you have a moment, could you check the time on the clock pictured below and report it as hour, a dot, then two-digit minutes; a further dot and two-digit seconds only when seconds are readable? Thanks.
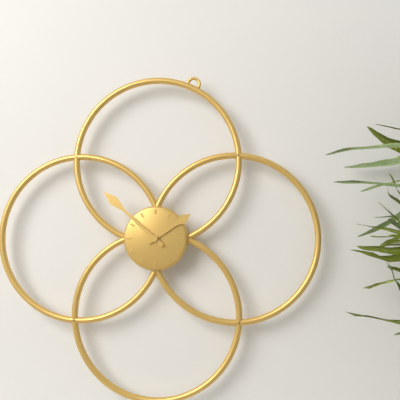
1.52
